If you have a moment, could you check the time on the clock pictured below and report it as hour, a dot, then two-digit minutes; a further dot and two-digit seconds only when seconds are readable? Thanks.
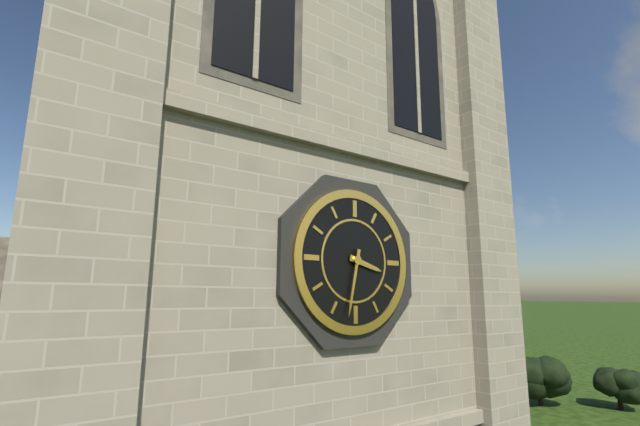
3.32
